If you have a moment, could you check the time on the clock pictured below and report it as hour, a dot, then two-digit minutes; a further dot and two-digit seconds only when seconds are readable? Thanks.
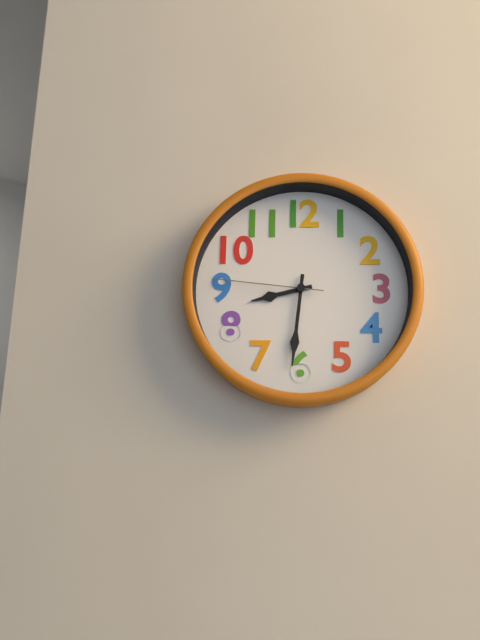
8.31.46
